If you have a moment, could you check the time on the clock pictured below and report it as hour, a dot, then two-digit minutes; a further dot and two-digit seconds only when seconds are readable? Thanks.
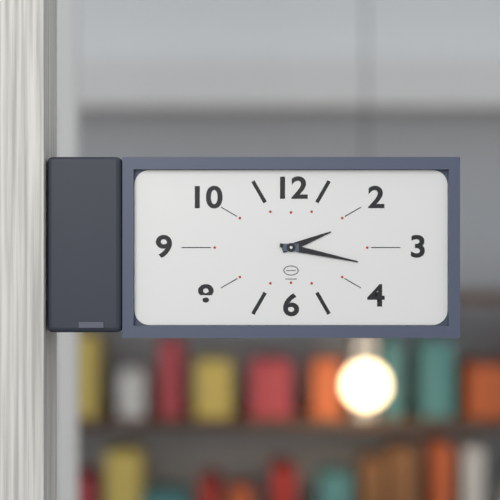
2.17
